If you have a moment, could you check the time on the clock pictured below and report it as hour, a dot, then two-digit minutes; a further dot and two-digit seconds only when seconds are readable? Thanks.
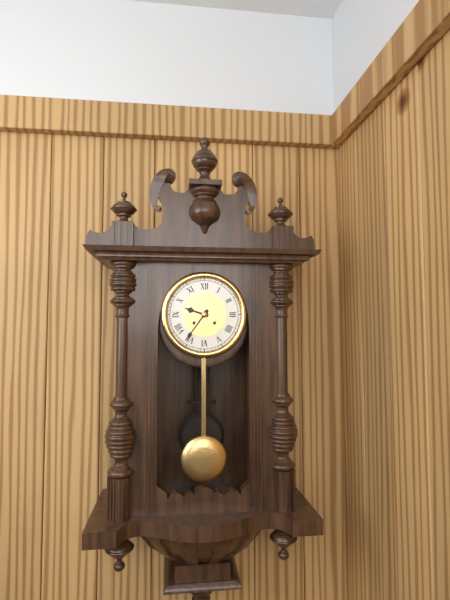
9.36
